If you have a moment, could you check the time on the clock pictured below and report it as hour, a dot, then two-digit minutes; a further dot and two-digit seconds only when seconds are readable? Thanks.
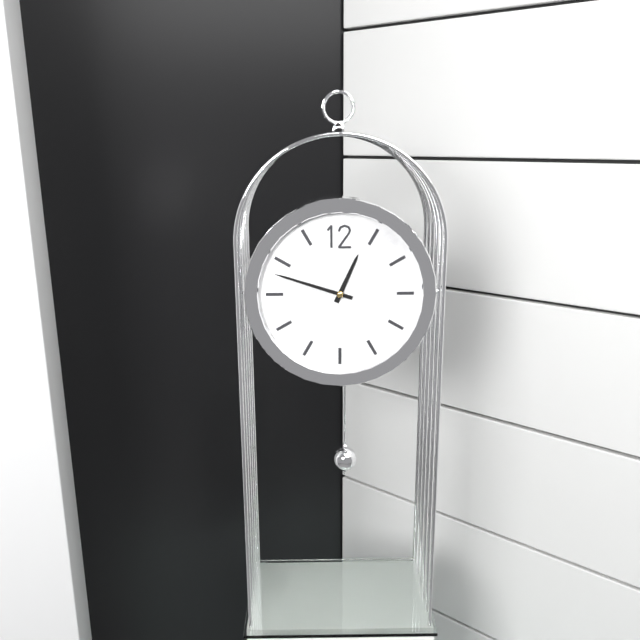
12.48
